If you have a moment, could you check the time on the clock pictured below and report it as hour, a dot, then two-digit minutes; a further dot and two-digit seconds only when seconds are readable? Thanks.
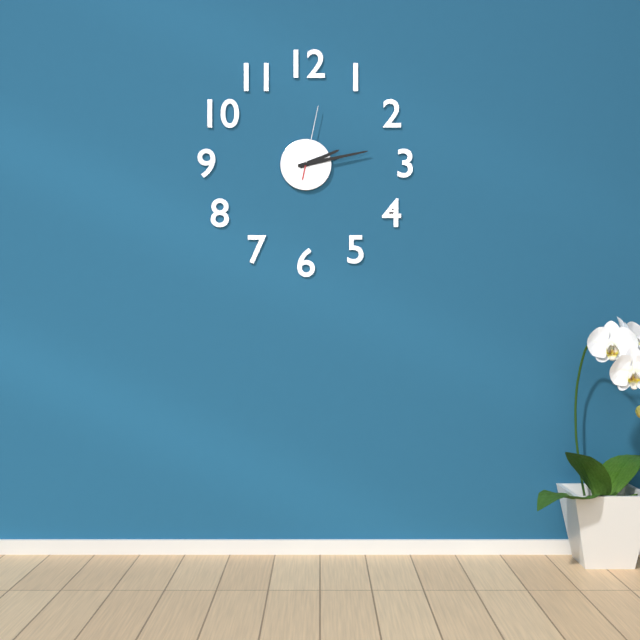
2.13.02
